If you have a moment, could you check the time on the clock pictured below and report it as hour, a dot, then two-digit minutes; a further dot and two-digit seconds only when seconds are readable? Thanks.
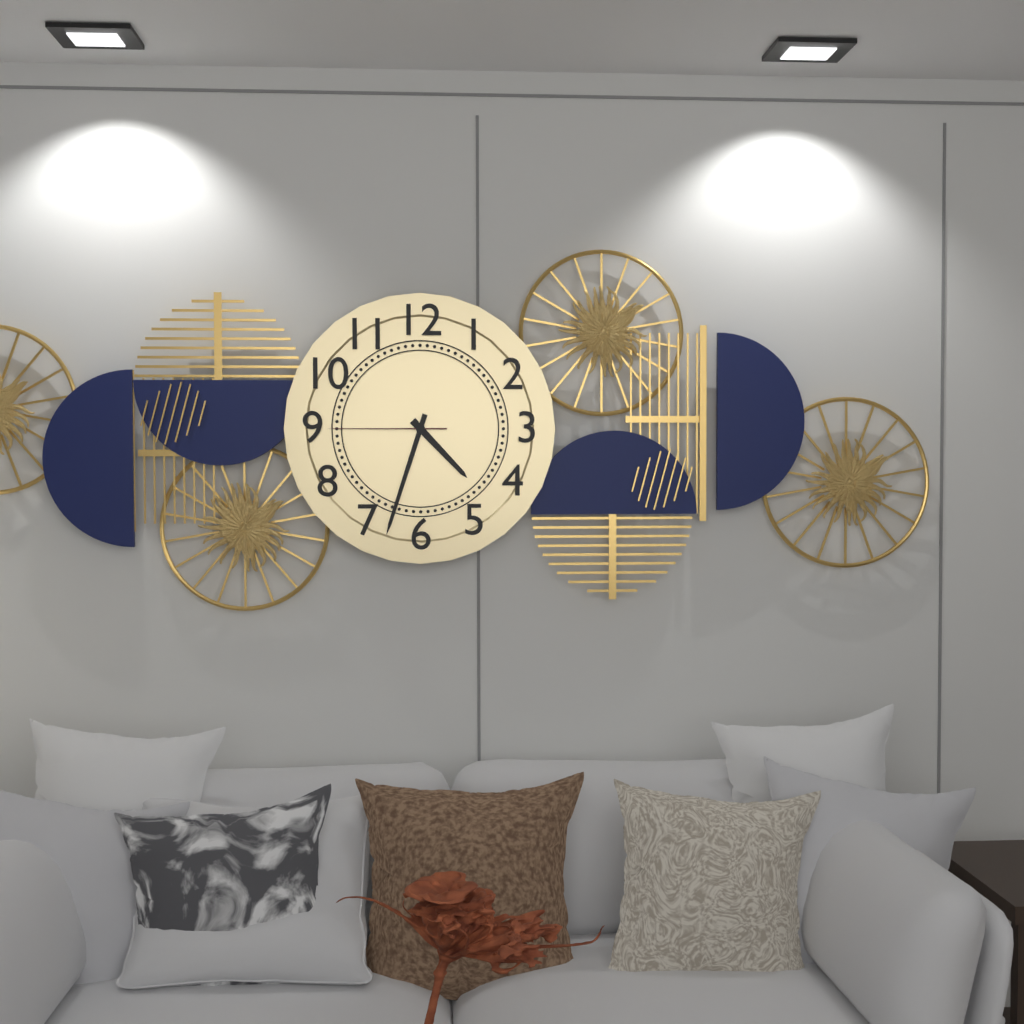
4.33.45
